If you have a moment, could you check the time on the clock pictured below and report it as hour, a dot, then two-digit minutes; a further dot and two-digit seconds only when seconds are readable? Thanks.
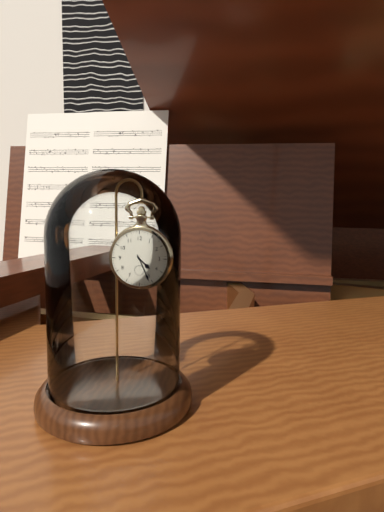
4.26
